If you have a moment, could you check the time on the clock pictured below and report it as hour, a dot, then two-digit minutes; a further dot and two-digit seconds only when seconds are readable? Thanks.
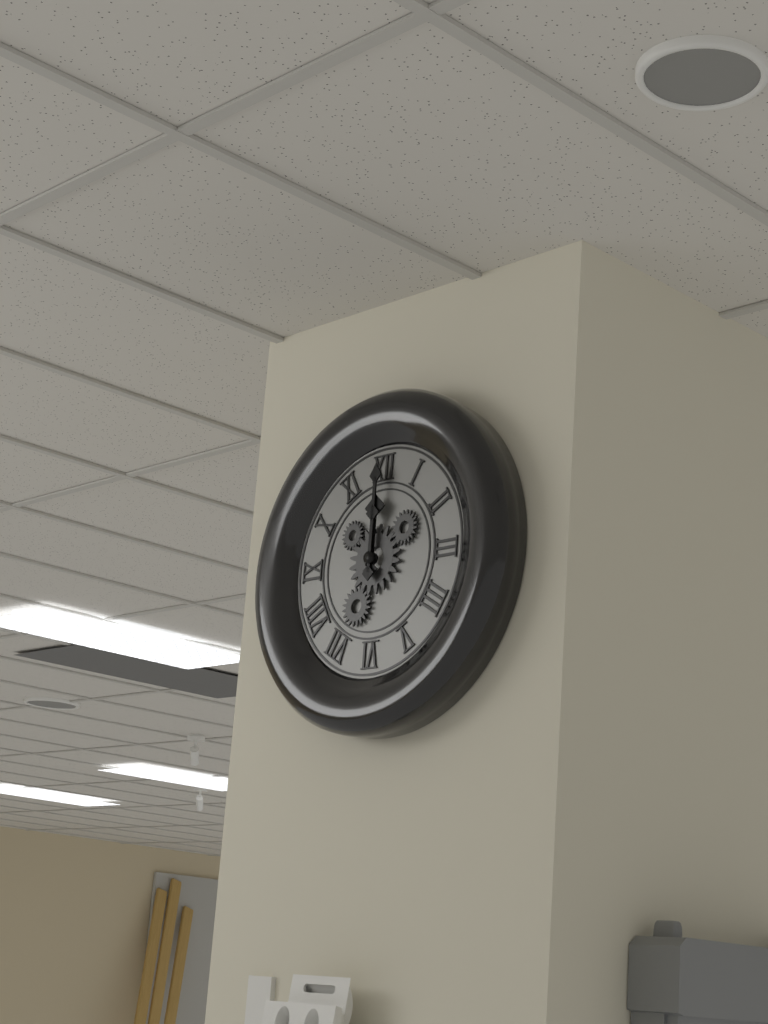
12.00
